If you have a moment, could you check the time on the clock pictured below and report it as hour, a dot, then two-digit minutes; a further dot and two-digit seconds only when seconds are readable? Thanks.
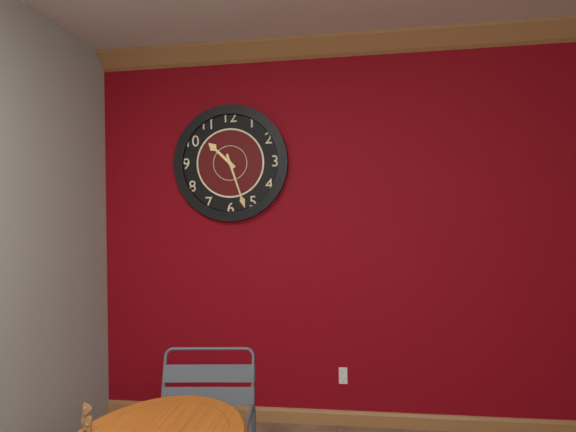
10.27
